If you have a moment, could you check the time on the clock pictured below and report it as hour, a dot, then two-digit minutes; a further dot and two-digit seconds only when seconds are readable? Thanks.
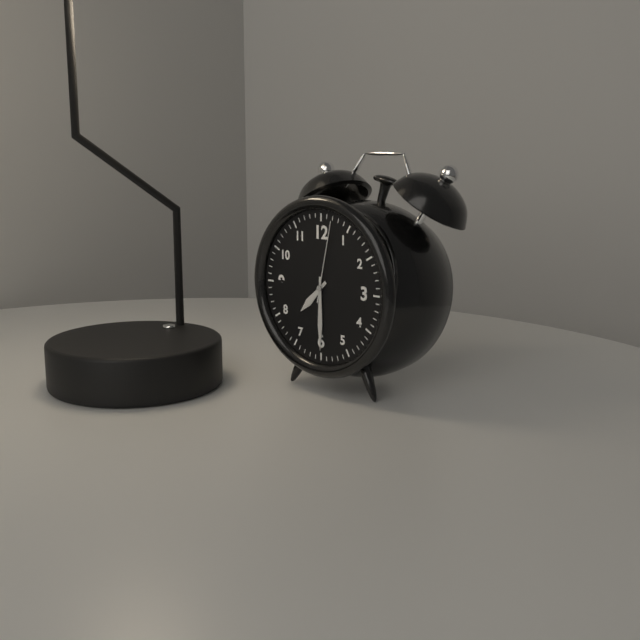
7.30.02
